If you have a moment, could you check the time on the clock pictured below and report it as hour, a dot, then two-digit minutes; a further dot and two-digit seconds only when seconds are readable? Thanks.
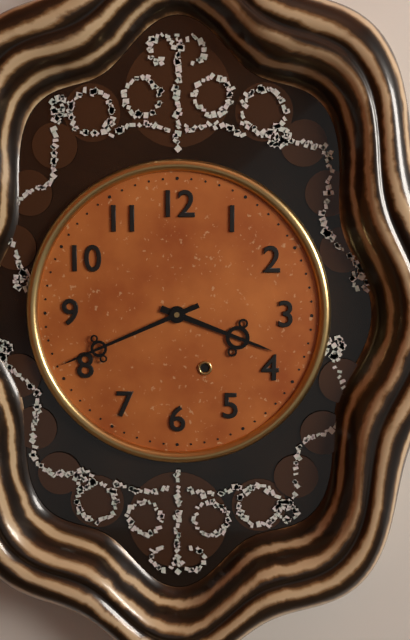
3.41
